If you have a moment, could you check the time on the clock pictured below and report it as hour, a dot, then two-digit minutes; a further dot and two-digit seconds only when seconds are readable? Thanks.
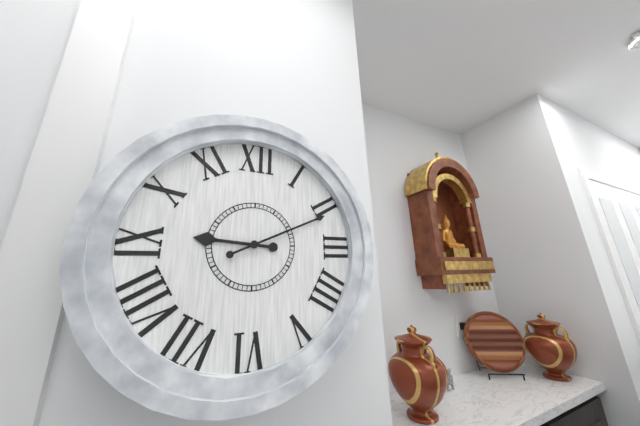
9.11
